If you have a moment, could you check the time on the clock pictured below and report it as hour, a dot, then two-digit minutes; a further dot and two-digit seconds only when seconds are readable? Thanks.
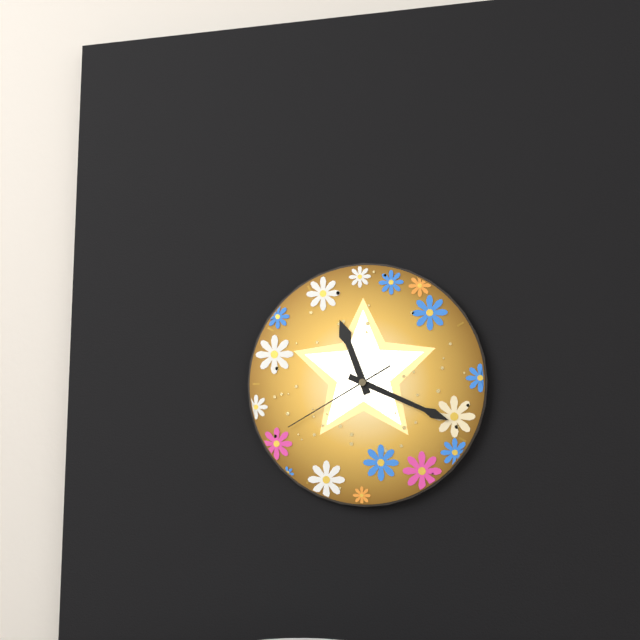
11.19.40
